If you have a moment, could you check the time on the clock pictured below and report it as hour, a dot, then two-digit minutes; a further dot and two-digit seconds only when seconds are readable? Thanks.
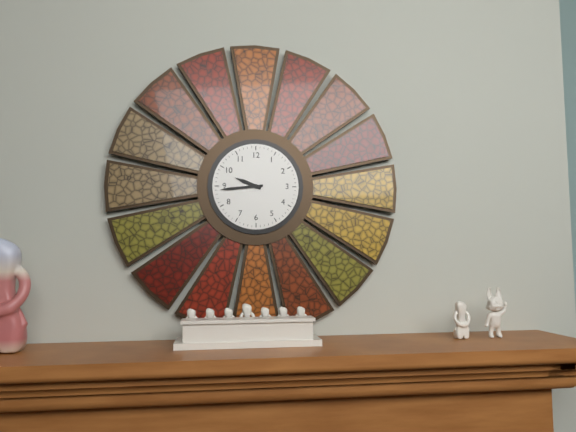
9.44
